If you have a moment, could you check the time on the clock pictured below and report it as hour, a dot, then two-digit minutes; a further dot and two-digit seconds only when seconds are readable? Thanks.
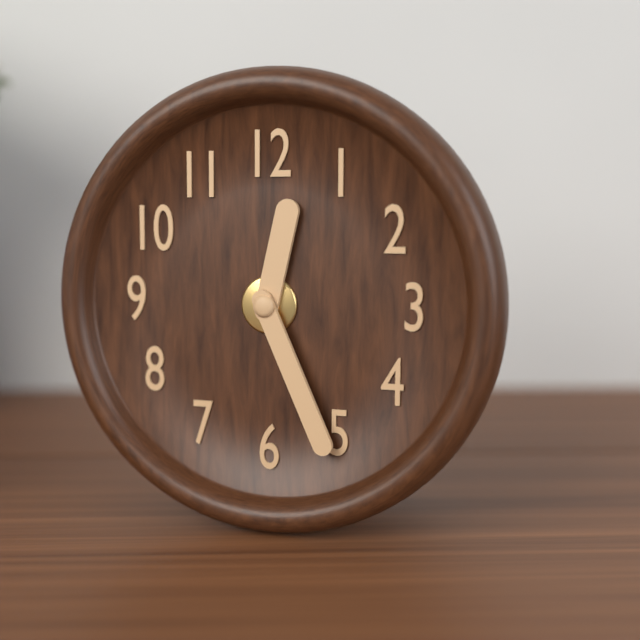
12.26
